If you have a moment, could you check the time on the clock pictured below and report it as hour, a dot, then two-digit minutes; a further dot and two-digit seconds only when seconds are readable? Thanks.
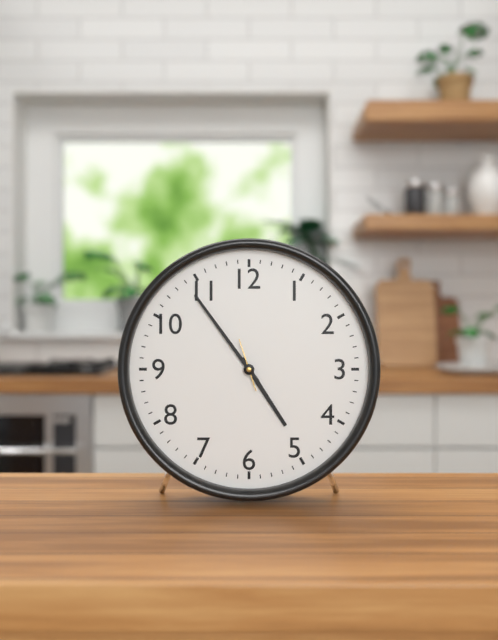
4.54
